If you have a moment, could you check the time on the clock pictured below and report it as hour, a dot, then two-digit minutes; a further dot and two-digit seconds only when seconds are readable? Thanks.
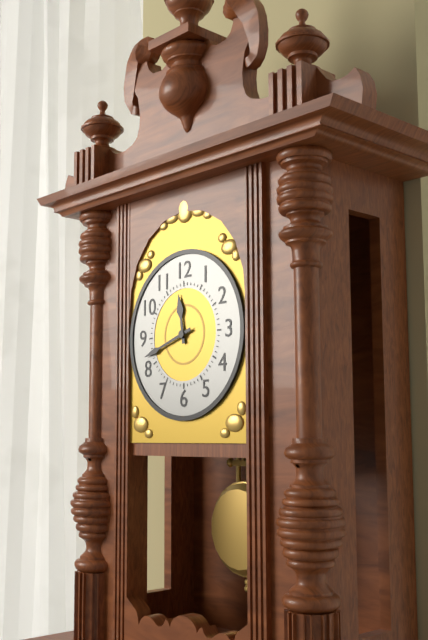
11.42
